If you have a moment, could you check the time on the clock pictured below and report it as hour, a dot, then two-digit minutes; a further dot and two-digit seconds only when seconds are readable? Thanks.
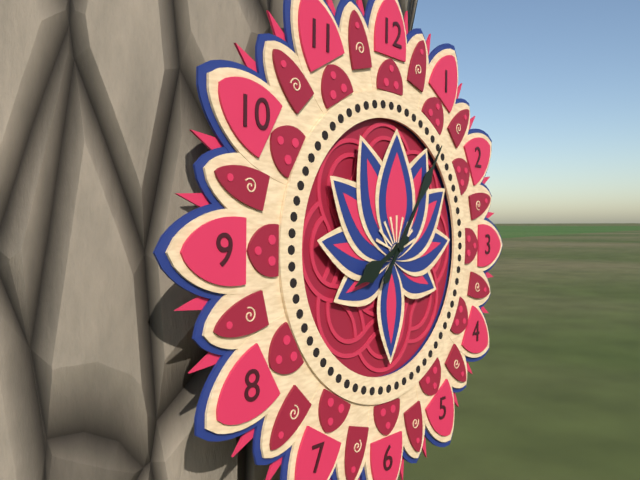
8.06
